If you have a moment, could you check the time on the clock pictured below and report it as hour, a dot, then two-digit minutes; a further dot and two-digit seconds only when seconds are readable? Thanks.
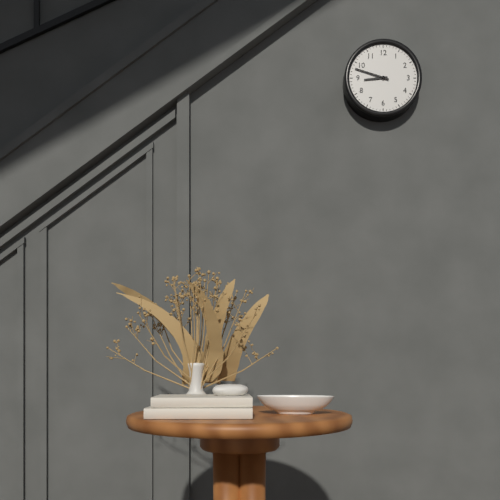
8.48
